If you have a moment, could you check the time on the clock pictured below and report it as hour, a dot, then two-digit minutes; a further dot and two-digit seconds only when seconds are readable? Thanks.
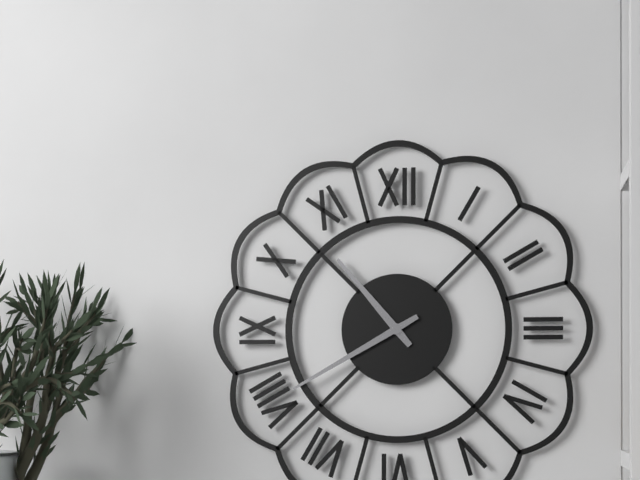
10.40
